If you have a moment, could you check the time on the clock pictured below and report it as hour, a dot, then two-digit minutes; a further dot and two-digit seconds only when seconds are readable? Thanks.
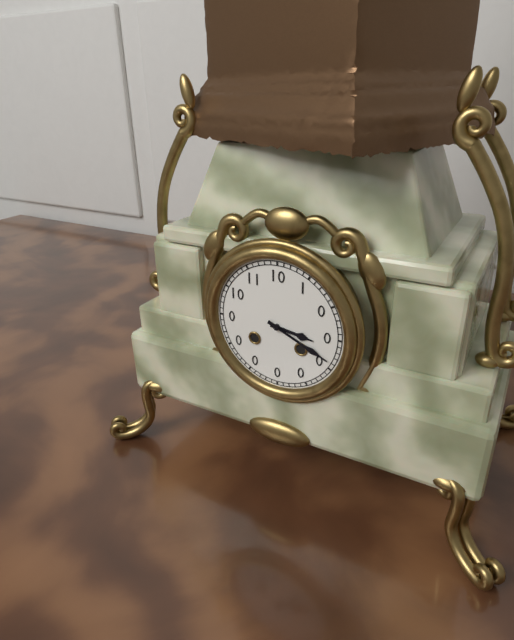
3.19
